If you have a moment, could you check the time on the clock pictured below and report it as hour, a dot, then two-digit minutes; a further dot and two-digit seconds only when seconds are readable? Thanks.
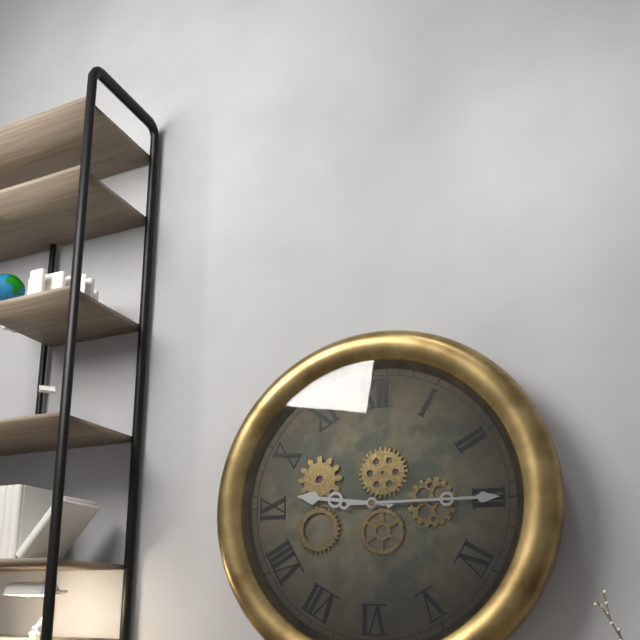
9.15
